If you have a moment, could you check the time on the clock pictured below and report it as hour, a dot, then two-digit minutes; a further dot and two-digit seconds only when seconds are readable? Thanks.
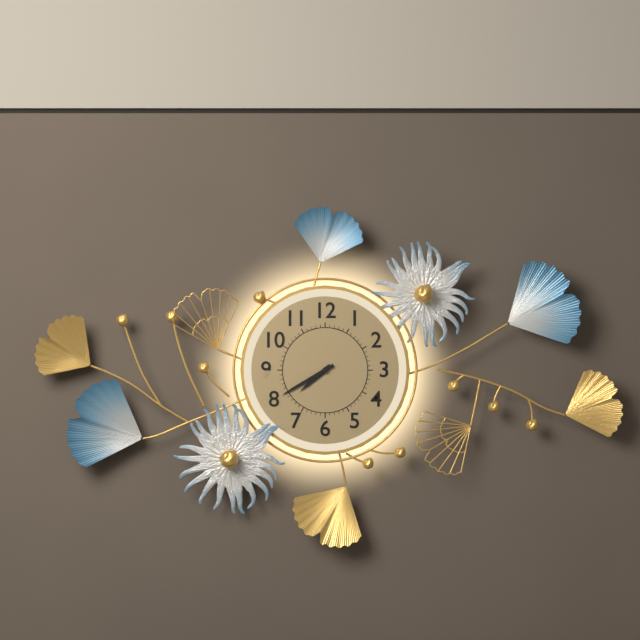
7.40
